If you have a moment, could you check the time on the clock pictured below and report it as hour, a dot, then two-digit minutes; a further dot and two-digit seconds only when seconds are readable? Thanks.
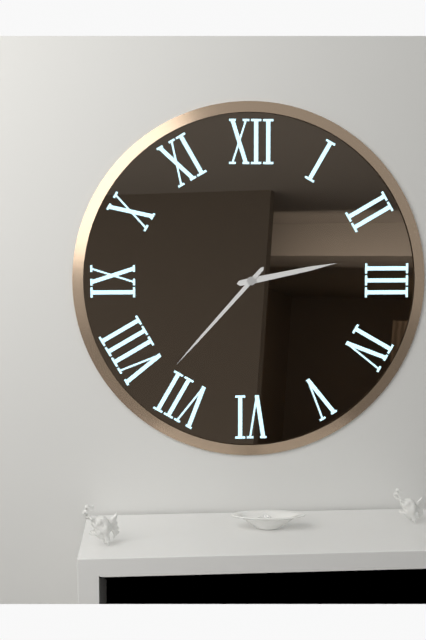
2.37
